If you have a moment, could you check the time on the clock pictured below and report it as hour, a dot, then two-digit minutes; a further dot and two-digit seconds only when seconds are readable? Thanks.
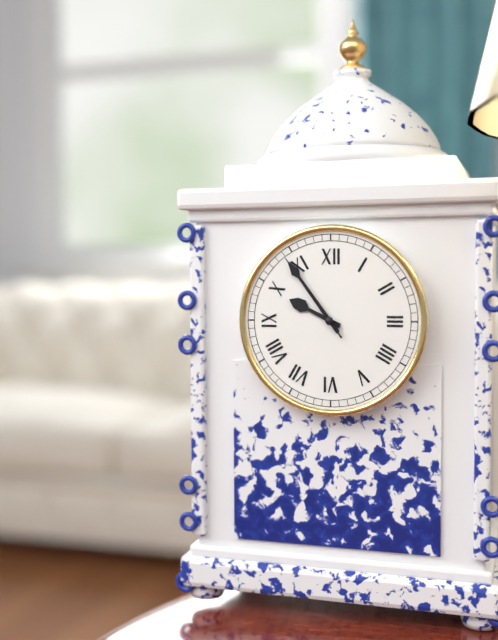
9.54.54
